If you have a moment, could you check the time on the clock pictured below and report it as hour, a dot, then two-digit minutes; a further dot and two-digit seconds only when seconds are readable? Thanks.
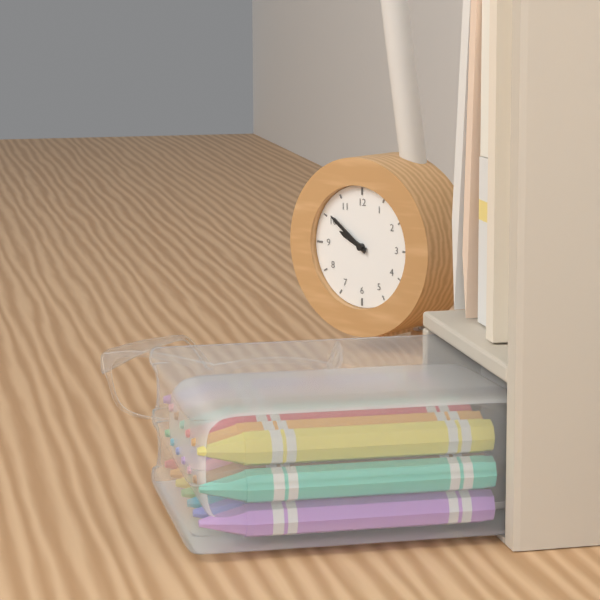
9.51
